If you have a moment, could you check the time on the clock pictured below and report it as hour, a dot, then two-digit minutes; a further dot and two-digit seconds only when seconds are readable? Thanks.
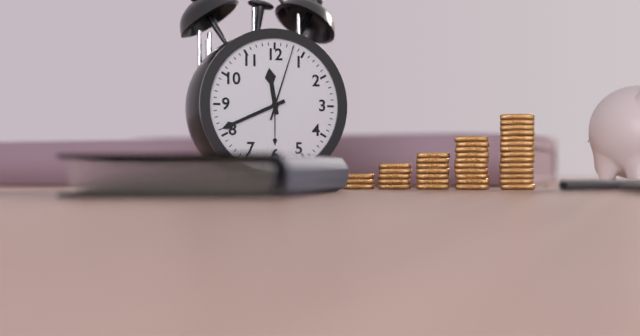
11.41.03
